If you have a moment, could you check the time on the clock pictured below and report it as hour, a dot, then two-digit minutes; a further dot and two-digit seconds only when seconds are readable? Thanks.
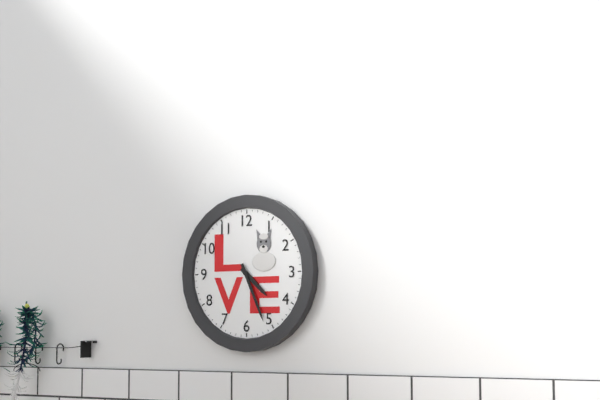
4.26
